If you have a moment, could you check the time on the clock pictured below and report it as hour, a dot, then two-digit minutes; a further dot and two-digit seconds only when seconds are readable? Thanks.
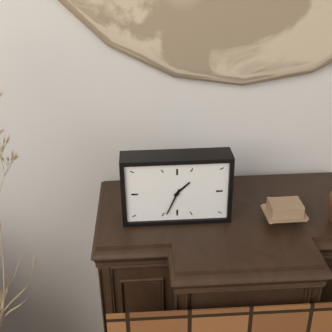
1.34
